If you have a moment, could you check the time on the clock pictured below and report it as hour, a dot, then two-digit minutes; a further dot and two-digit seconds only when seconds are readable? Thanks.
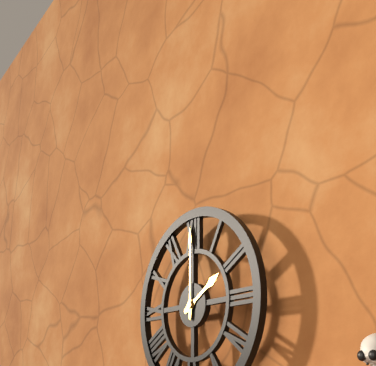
2.00
